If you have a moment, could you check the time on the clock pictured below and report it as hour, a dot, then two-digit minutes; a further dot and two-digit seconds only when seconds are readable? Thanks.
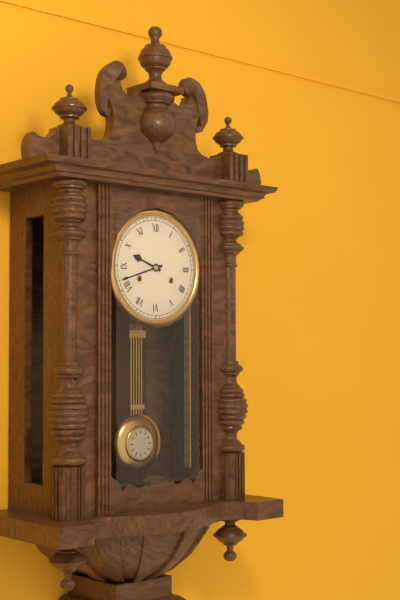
9.42
